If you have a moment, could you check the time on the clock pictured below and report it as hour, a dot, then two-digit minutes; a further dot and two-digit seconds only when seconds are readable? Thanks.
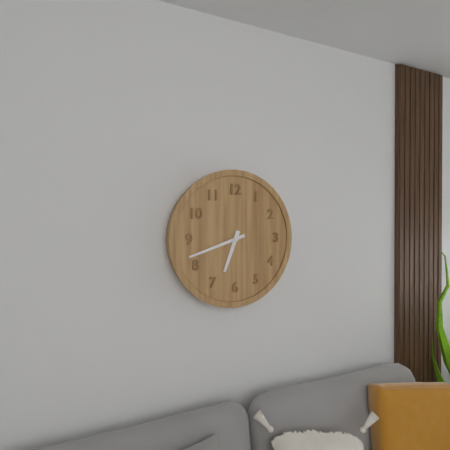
6.42
